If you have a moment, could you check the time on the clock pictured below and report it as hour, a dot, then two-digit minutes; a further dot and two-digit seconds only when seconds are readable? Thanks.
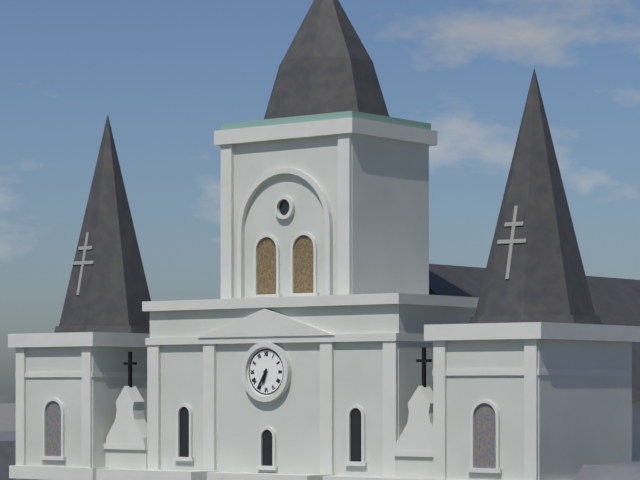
6.35
